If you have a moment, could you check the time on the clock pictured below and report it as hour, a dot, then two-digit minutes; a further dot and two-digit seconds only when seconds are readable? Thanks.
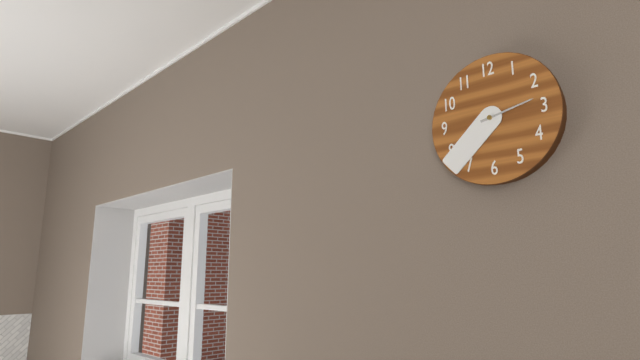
2.38
